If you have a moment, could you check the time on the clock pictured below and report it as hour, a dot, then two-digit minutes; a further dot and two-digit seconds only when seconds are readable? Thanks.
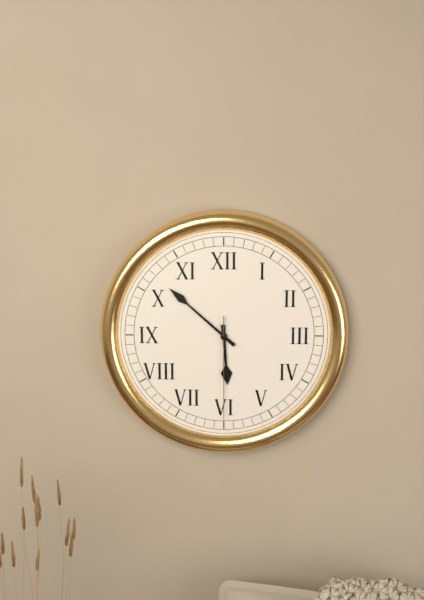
5.52.30
